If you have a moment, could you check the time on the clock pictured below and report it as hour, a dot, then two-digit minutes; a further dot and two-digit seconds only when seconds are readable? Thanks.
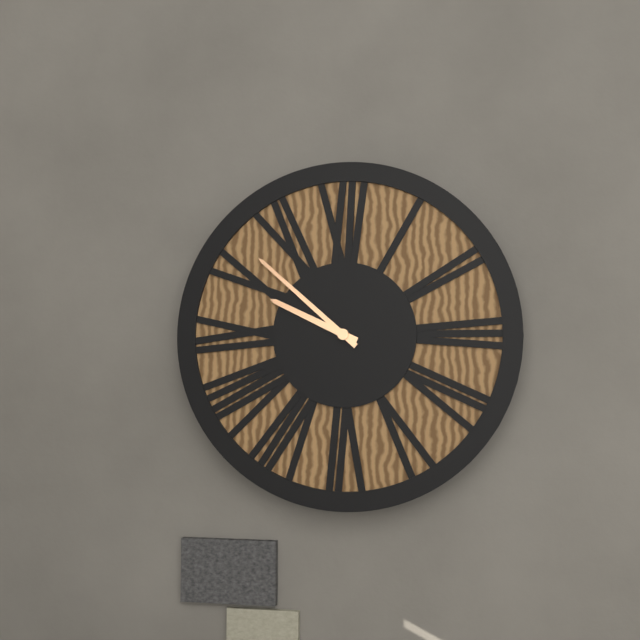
9.52
